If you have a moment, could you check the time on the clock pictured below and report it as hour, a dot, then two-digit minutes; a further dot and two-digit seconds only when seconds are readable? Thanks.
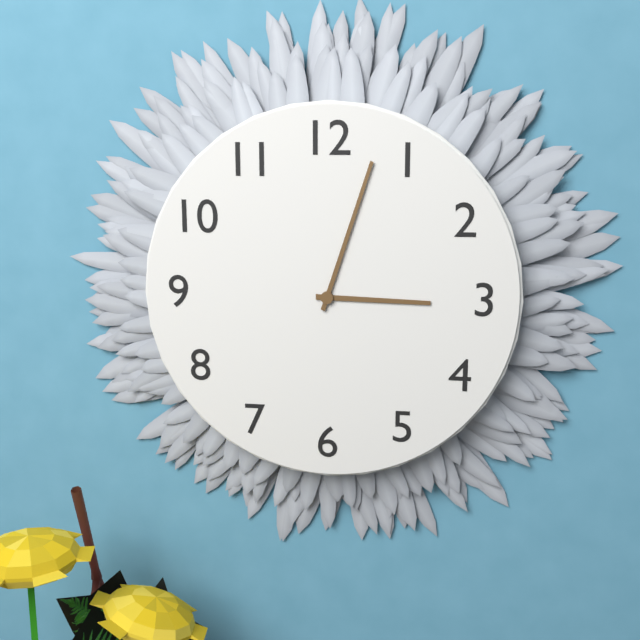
3.03
